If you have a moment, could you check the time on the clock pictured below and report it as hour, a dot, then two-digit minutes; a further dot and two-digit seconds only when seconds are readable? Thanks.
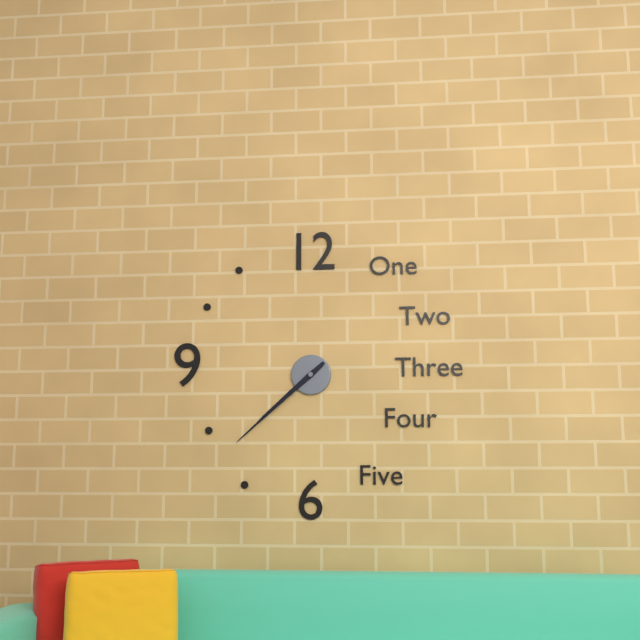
7.38
